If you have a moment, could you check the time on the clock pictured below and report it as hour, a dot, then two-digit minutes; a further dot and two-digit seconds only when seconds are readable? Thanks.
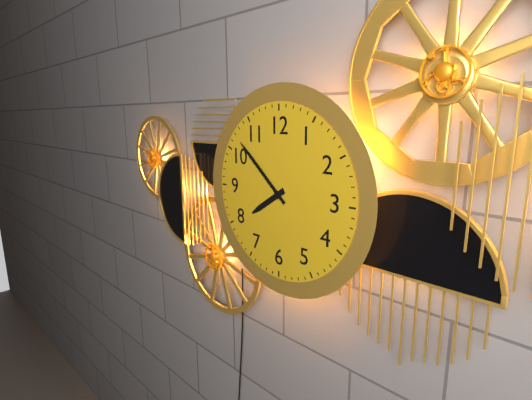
7.52
